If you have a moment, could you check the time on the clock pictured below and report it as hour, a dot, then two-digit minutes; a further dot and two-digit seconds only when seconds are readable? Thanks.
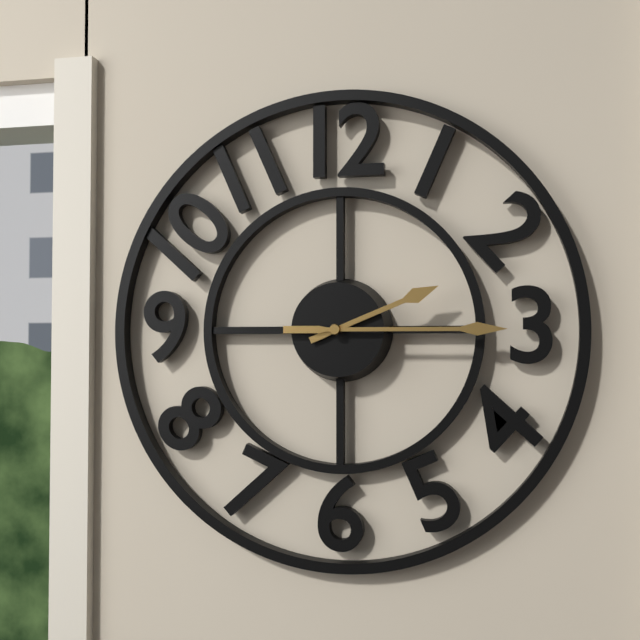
2.15
